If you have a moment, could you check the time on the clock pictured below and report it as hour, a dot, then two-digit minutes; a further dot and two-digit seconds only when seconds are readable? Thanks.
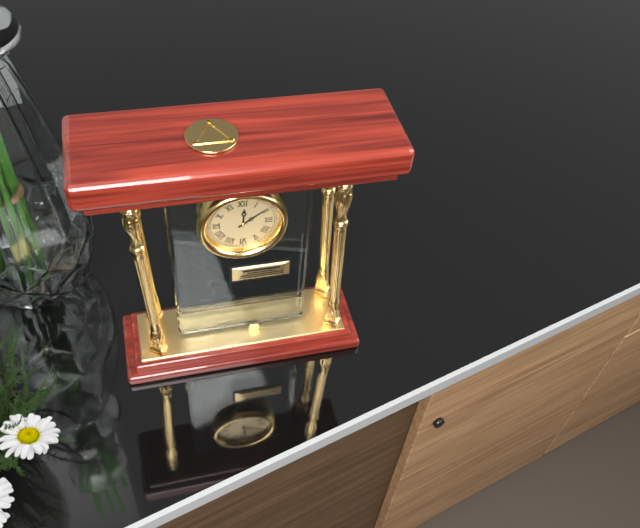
12.09
